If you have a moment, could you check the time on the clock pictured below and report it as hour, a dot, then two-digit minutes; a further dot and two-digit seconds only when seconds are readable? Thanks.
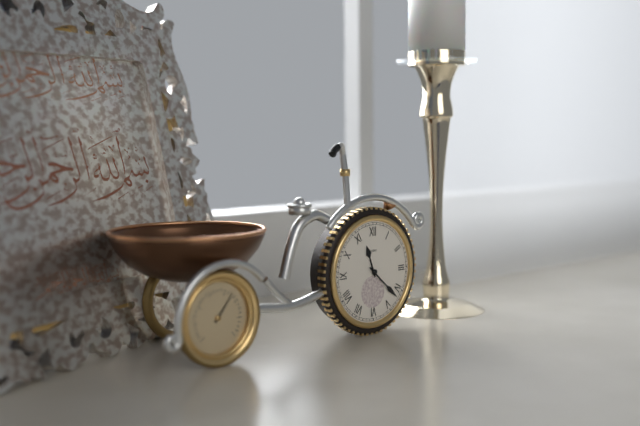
11.22
